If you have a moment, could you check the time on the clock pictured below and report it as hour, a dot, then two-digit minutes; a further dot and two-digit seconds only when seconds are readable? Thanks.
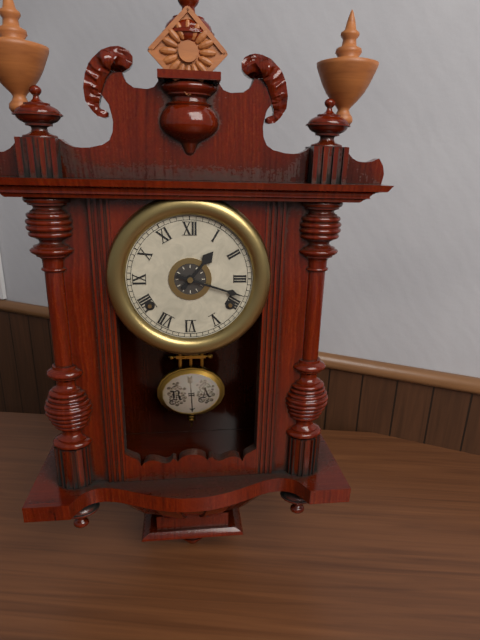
1.18
